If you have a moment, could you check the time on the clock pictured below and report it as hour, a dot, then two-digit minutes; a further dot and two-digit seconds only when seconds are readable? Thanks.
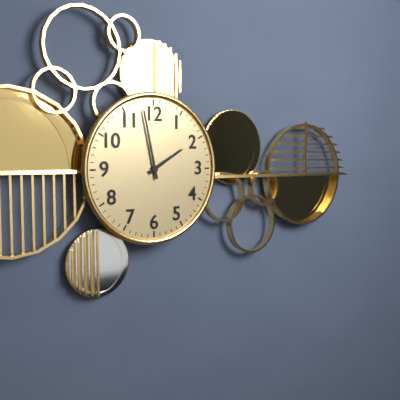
1.58
